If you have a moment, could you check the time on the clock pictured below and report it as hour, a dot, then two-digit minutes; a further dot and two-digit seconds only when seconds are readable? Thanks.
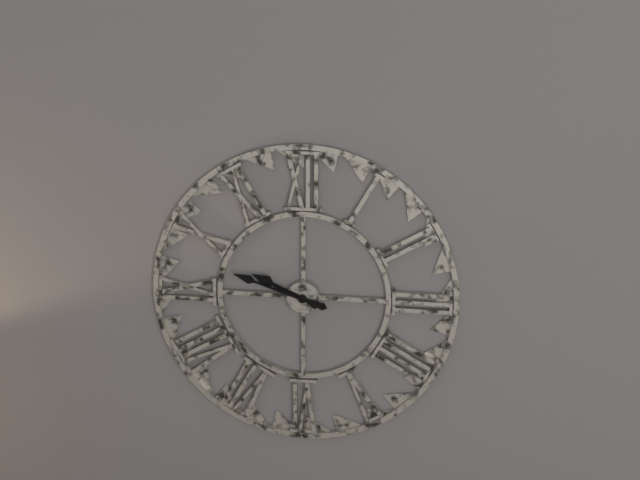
9.48
